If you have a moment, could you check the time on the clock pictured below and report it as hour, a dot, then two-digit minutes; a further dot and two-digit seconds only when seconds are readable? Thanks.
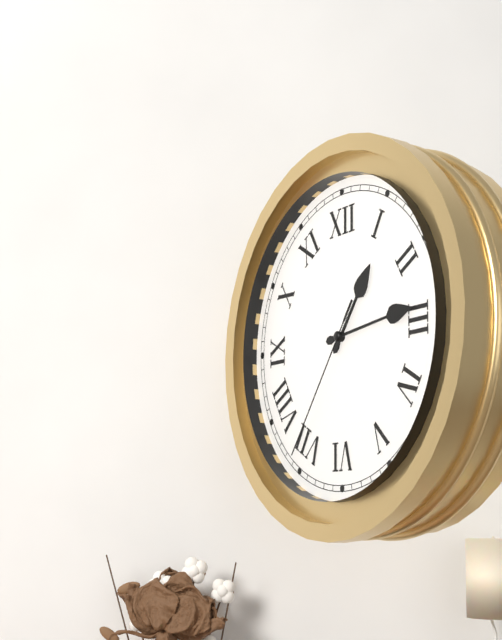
1.14.36
